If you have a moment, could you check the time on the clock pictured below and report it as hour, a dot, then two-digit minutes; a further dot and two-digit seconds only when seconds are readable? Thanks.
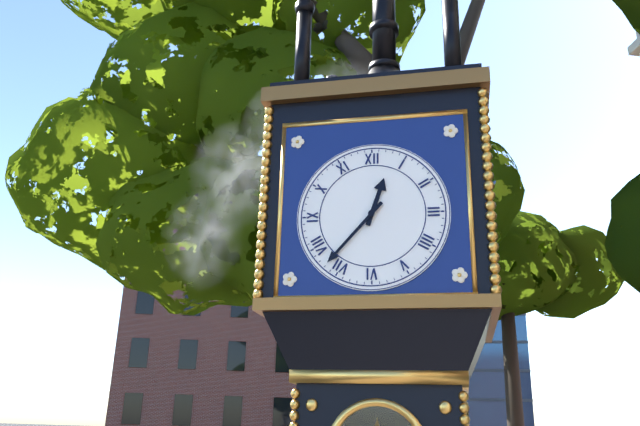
12.37
